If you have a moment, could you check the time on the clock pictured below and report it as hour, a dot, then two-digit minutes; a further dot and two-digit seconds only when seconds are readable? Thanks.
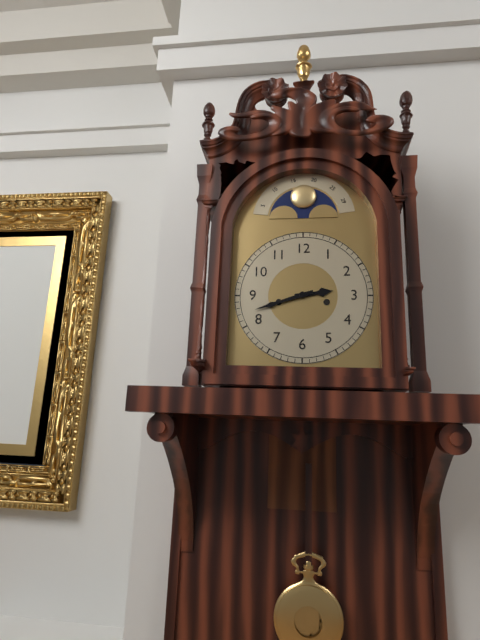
2.42
